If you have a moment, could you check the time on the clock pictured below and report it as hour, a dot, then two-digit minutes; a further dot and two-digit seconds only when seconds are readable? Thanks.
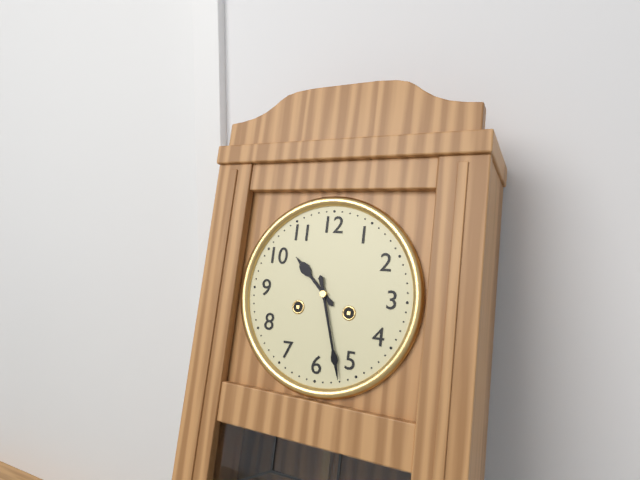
10.27
